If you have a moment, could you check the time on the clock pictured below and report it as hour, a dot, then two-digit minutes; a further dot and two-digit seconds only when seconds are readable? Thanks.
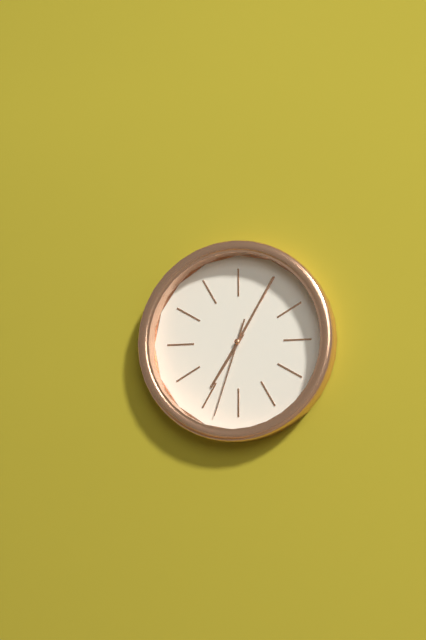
7.05.33
